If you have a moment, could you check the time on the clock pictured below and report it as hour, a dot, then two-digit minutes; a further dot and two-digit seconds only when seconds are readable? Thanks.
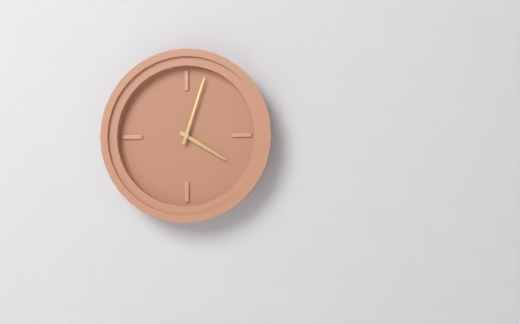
4.03
